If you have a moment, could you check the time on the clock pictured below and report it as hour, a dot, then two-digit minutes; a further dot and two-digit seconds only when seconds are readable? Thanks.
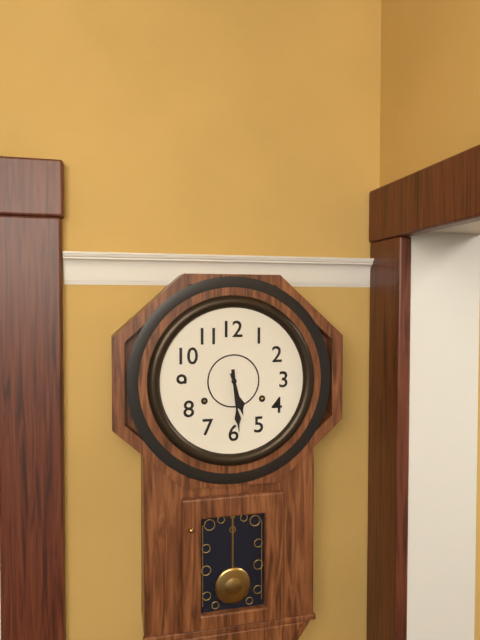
5.29
